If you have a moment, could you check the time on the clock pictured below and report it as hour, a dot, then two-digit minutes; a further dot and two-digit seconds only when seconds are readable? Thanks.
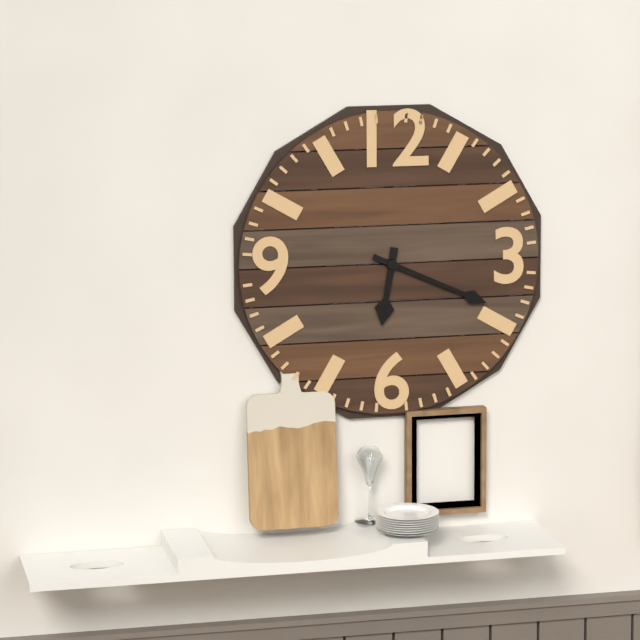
6.19
